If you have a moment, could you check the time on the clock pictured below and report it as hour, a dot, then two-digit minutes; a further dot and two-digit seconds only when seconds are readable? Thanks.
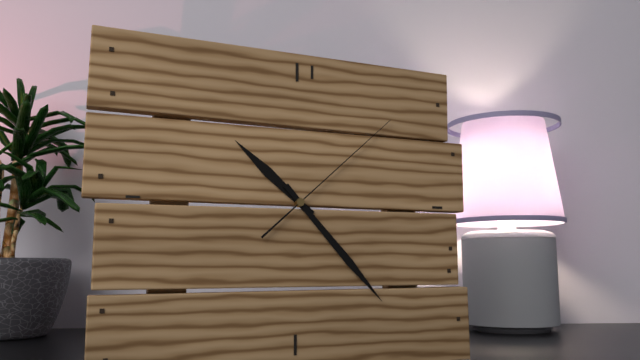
10.23.08
